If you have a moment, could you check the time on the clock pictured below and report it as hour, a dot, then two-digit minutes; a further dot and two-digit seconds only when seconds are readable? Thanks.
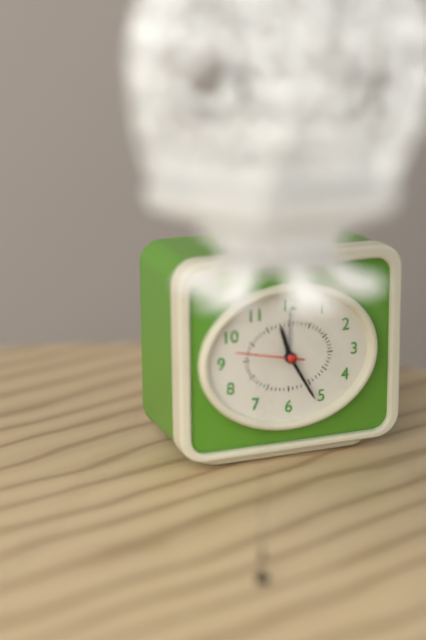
11.25
